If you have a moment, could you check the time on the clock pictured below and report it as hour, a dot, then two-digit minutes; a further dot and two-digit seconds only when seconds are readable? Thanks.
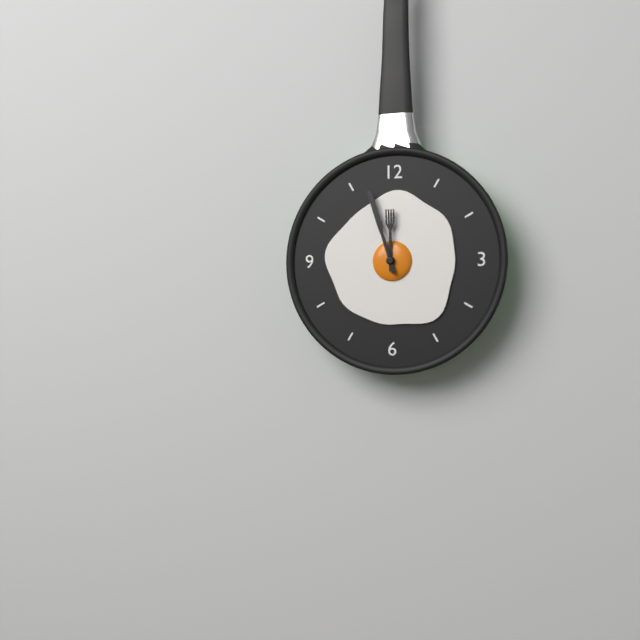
11.57
